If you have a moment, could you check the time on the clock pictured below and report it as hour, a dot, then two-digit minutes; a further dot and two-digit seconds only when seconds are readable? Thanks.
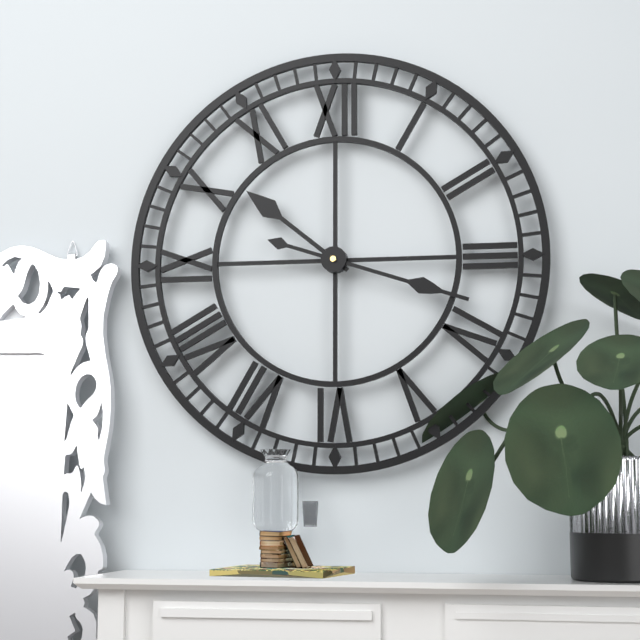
10.18
